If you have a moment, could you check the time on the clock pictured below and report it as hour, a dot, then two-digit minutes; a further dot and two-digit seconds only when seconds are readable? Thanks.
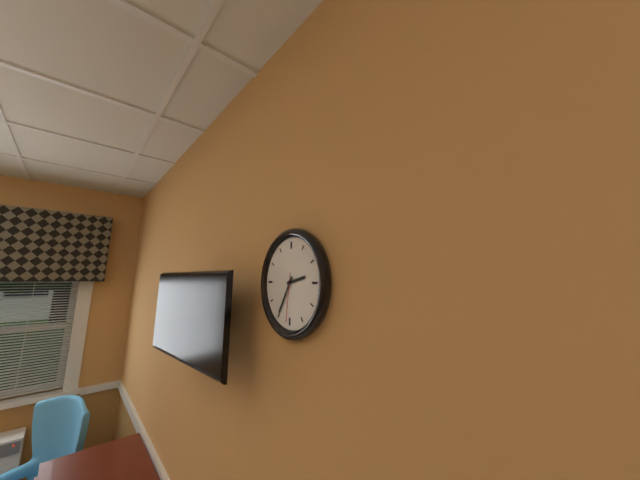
2.35.31
